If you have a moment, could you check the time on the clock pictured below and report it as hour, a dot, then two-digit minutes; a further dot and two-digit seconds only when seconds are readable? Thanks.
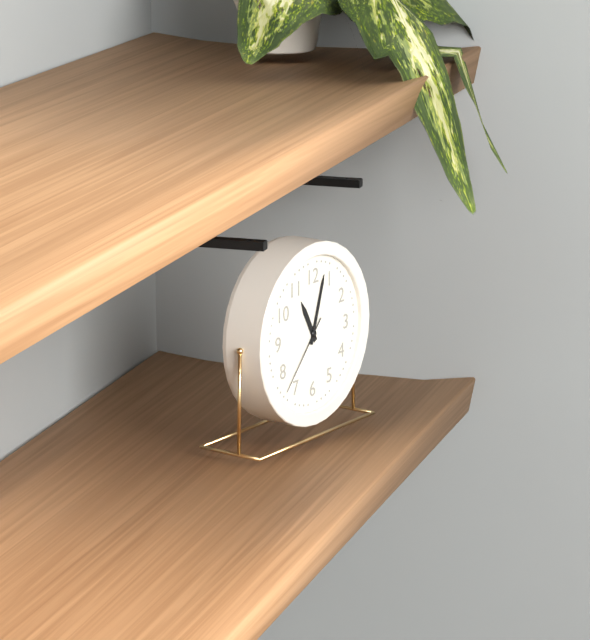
11.03.37
